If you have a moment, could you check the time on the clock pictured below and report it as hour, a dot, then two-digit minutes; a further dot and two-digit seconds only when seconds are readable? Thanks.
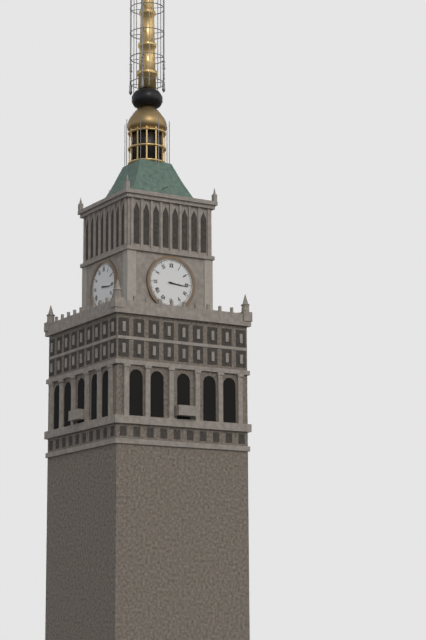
3.16
